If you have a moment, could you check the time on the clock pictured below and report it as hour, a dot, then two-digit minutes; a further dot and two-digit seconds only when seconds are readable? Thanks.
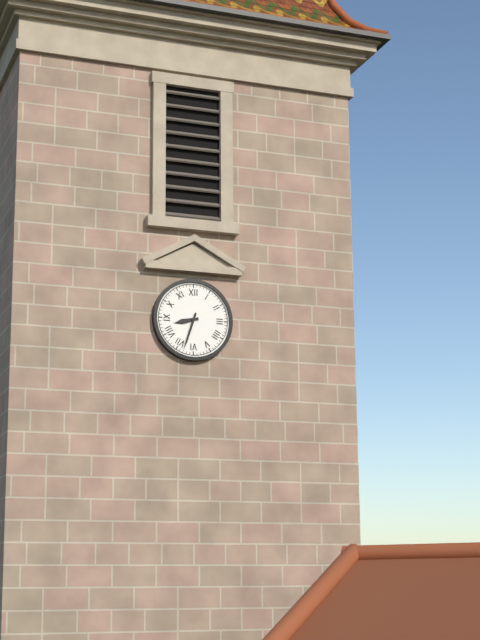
8.33
